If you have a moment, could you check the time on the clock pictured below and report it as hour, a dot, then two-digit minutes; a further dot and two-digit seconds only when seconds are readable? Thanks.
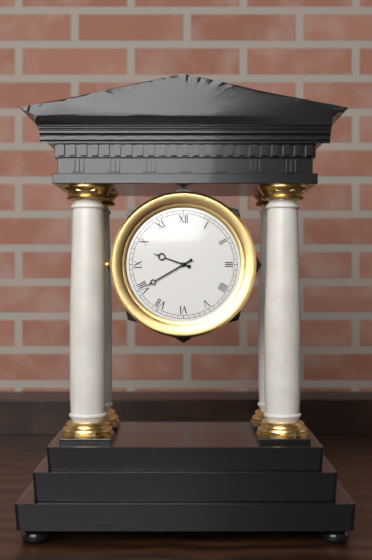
9.40
